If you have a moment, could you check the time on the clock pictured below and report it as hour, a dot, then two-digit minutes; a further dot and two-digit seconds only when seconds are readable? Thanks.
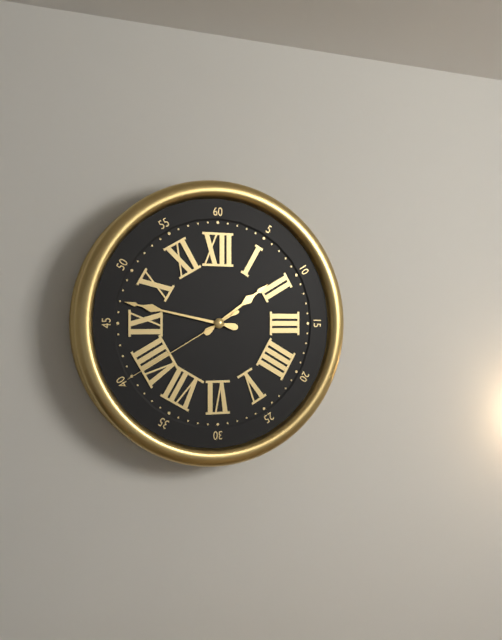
1.47.40
